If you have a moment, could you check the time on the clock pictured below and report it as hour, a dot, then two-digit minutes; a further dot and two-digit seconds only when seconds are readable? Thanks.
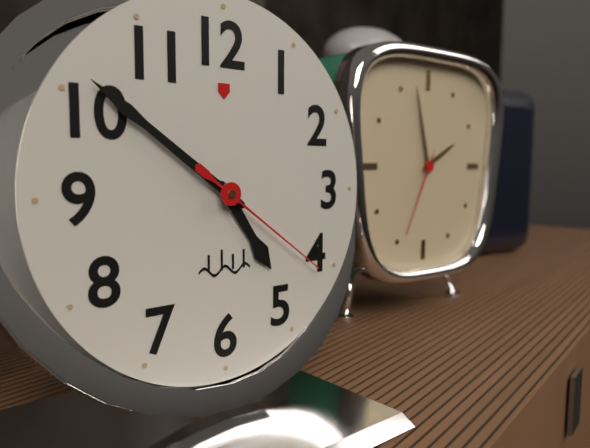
4.51.21
